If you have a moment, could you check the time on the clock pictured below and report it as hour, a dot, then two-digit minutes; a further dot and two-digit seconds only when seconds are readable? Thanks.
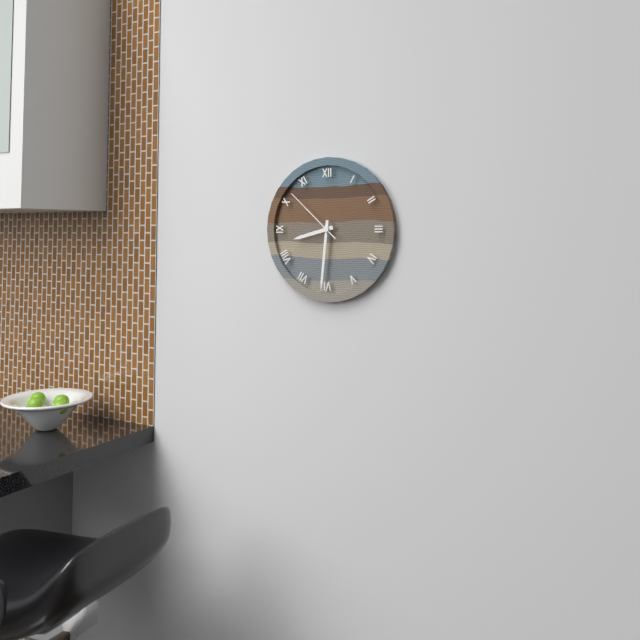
8.31.52
